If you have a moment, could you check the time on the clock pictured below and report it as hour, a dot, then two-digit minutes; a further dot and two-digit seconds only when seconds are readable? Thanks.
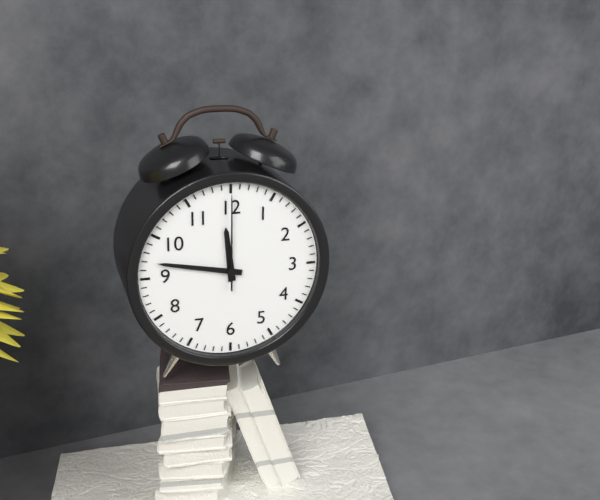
11.47.00
